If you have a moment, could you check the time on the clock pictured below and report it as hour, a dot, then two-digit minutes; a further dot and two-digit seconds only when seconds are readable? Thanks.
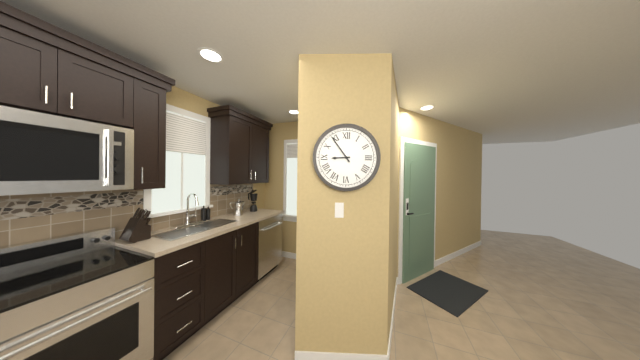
8.54
